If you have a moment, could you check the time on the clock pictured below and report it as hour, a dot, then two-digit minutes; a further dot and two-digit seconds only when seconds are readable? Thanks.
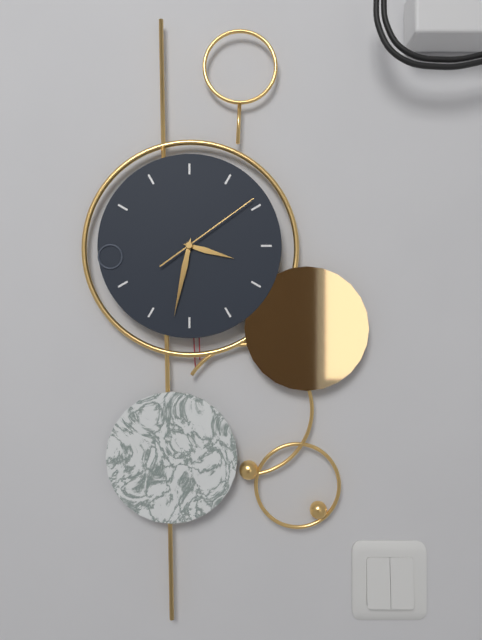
3.32.09
